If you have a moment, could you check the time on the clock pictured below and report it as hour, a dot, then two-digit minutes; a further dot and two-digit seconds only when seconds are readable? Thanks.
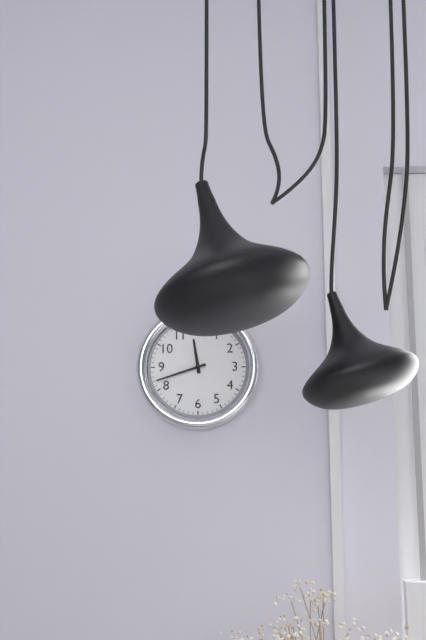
11.42
